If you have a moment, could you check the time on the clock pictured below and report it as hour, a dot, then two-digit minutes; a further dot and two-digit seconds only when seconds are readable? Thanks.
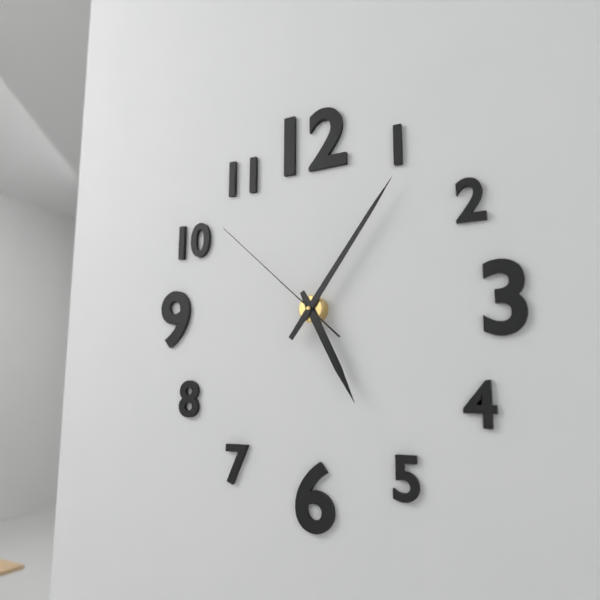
5.06.52
